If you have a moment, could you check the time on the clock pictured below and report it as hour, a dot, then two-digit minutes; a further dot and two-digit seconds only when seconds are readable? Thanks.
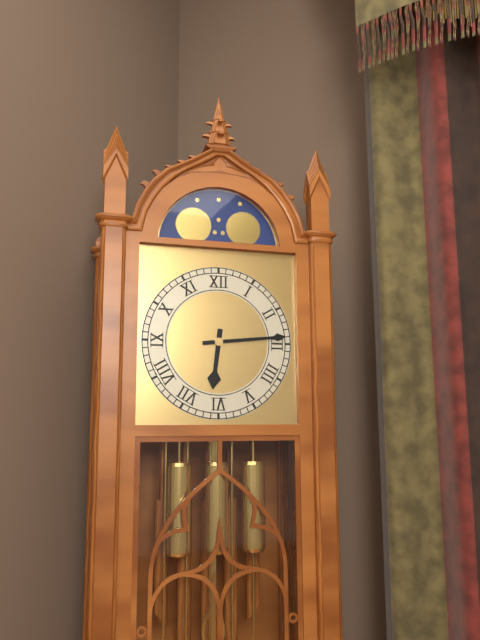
6.14
